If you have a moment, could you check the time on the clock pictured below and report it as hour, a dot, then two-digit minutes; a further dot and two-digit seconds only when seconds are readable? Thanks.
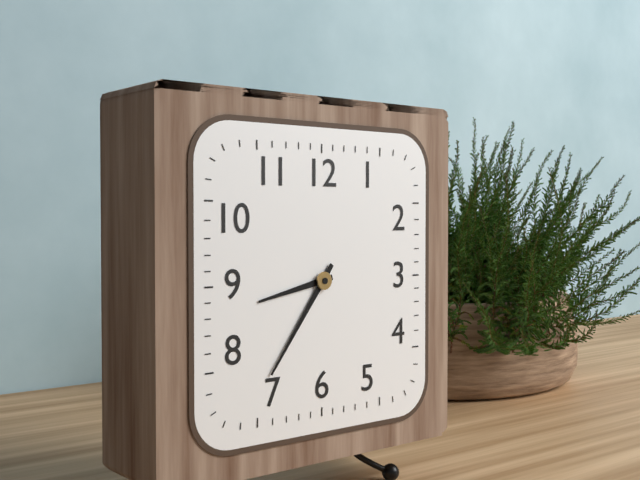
8.36
